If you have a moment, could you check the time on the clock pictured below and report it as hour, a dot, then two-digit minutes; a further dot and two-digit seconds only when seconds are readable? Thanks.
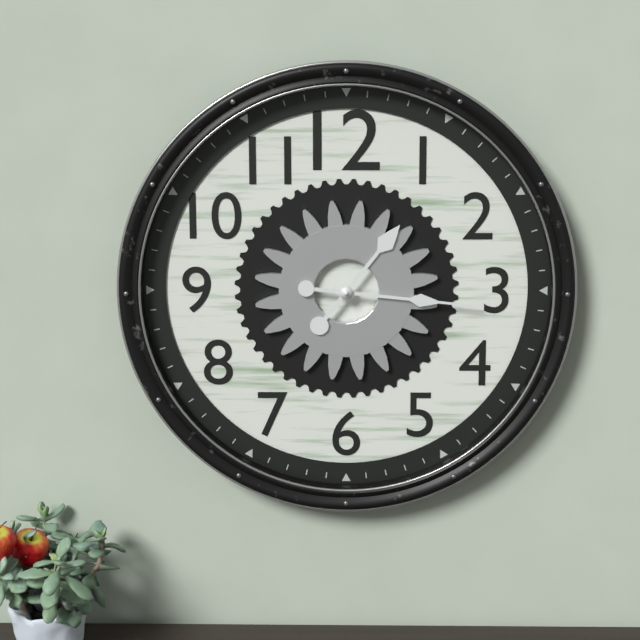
1.16
